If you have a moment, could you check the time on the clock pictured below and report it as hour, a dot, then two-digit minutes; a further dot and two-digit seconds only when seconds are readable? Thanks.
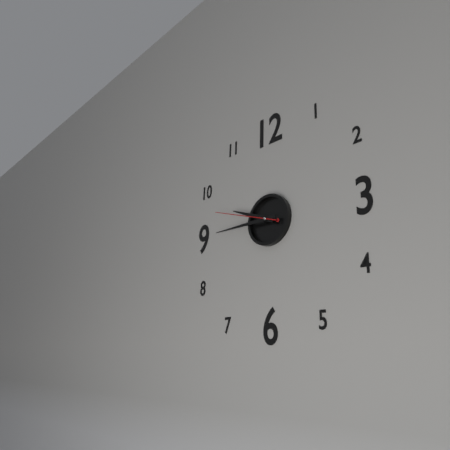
9.45.48
